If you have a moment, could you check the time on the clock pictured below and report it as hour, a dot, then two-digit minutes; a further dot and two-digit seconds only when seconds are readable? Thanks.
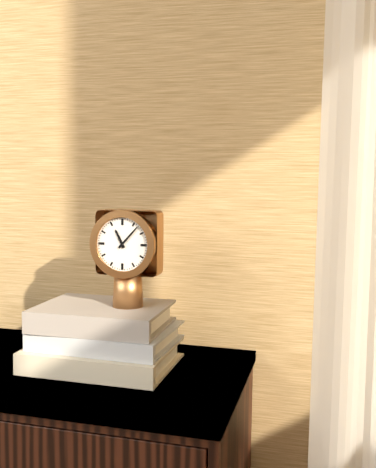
11.07
